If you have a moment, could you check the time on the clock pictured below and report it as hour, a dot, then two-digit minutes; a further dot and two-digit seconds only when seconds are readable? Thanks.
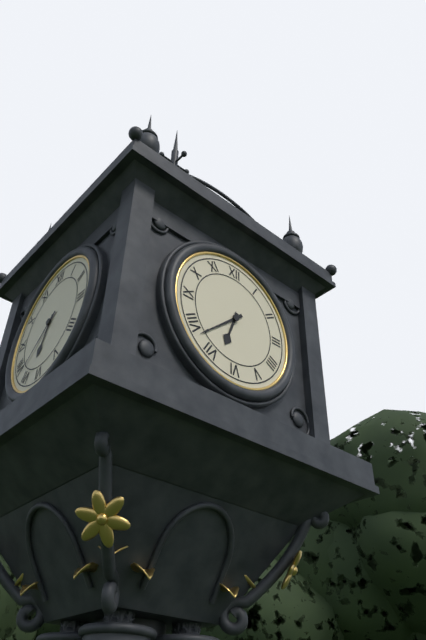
6.38
